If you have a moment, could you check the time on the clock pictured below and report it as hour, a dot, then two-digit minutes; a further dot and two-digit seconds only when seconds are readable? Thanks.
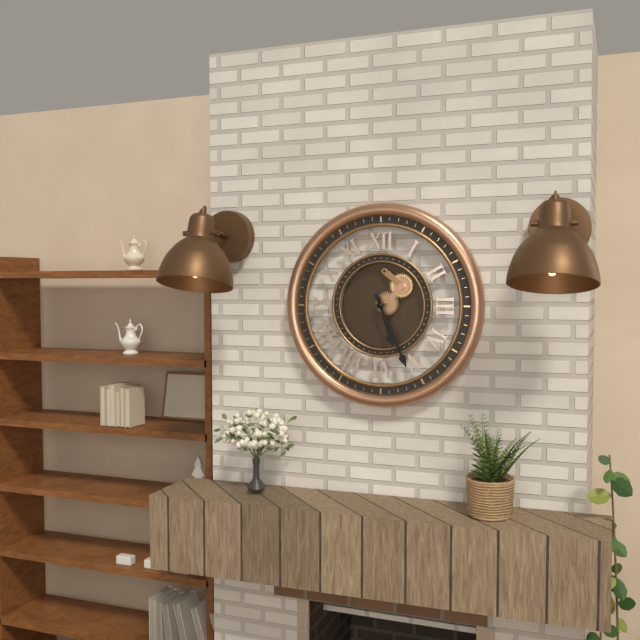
5.26
